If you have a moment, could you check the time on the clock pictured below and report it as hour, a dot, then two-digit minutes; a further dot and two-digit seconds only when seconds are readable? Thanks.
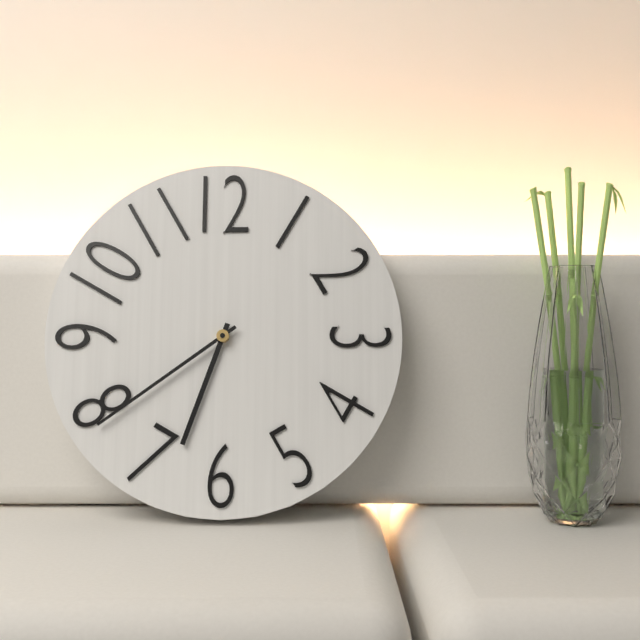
6.39
